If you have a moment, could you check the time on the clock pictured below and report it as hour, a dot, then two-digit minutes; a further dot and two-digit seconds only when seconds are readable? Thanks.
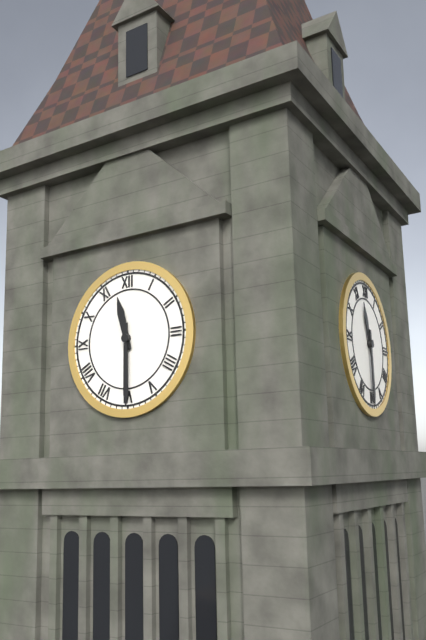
11.30
